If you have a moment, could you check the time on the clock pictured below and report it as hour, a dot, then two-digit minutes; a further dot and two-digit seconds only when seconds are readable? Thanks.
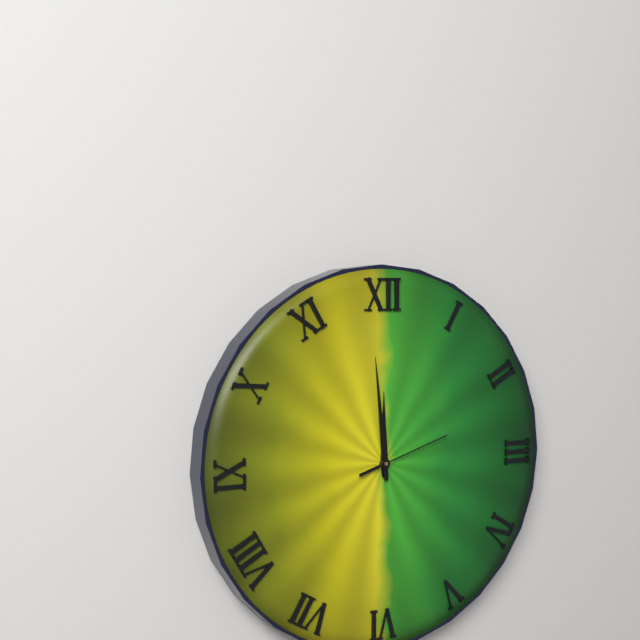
11.59.12
